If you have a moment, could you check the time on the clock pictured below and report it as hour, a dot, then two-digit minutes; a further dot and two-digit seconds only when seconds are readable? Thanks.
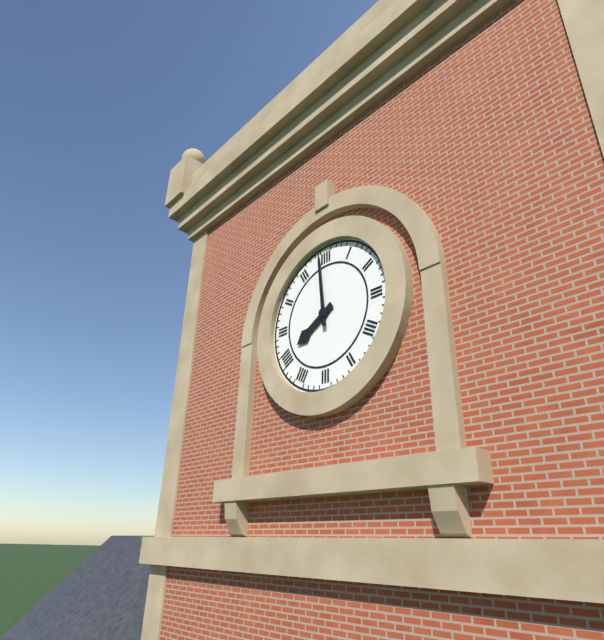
7.59
